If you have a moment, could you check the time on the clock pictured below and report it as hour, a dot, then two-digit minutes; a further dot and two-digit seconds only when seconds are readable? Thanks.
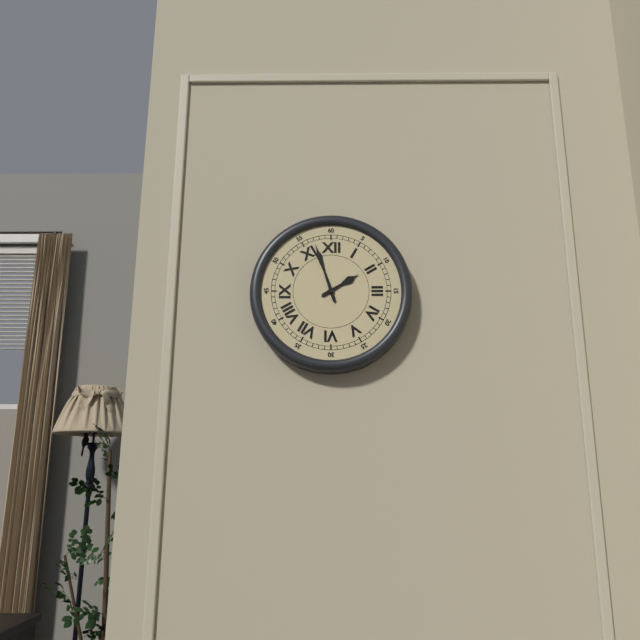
1.57
